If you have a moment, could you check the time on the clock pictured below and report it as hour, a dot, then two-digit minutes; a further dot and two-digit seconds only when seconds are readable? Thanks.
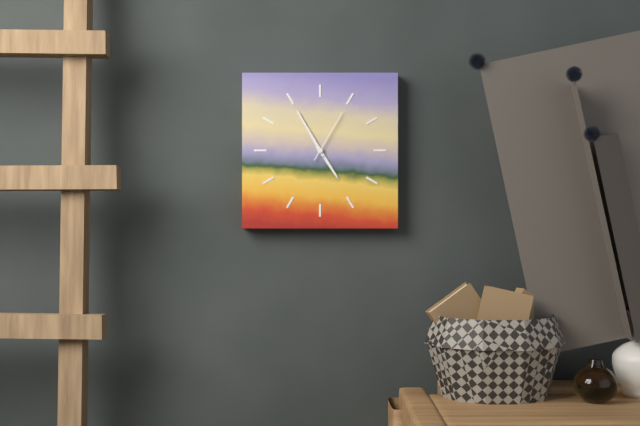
4.55.05
